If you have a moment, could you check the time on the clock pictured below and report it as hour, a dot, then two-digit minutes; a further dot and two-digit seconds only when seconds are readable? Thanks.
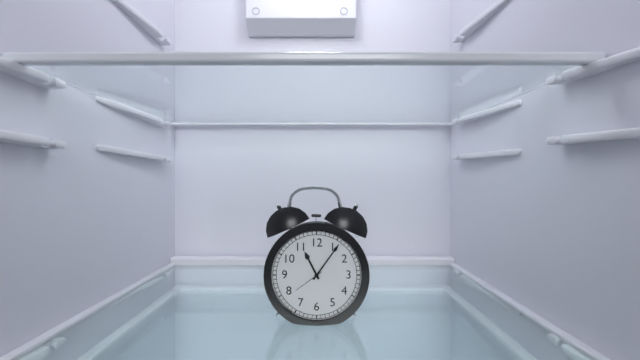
11.06
